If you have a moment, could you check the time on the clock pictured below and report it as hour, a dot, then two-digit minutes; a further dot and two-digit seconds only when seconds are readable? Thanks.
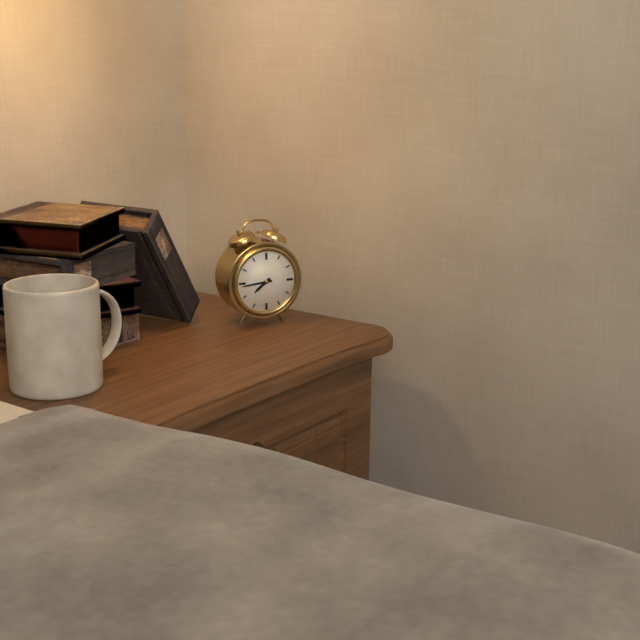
7.44
